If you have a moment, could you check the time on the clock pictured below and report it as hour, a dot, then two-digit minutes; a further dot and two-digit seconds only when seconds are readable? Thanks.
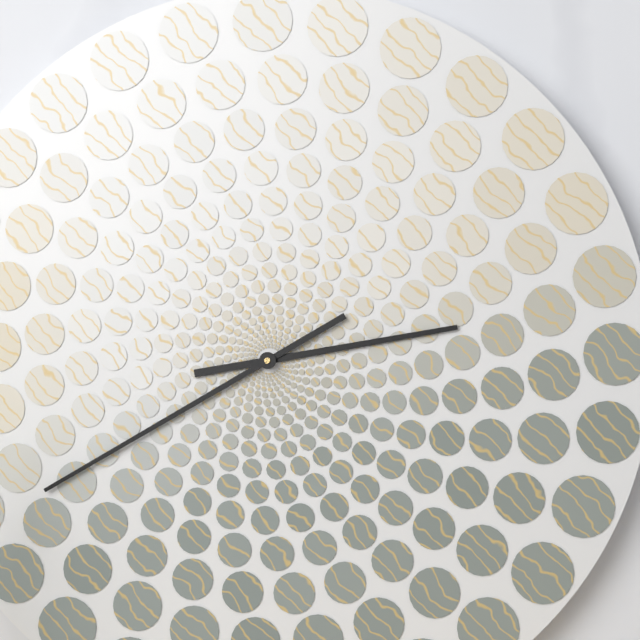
2.40
